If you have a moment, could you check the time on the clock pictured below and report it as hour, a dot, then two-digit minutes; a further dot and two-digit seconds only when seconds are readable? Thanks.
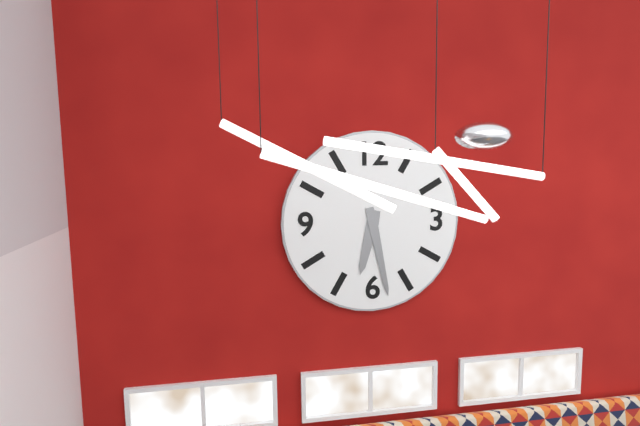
6.28
